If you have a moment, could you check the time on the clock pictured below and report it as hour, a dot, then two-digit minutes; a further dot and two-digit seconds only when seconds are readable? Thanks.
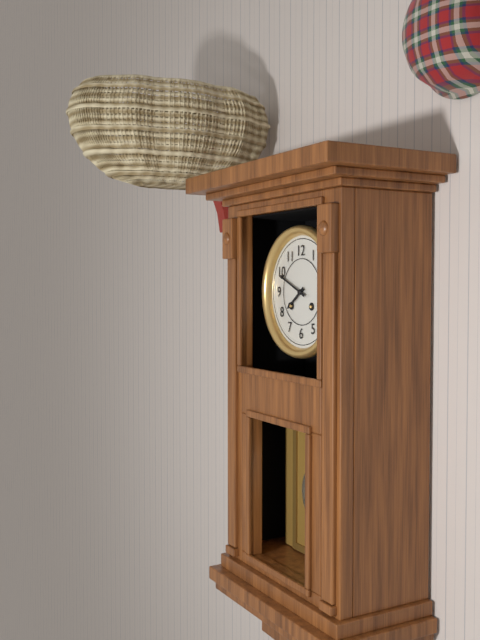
7.49
